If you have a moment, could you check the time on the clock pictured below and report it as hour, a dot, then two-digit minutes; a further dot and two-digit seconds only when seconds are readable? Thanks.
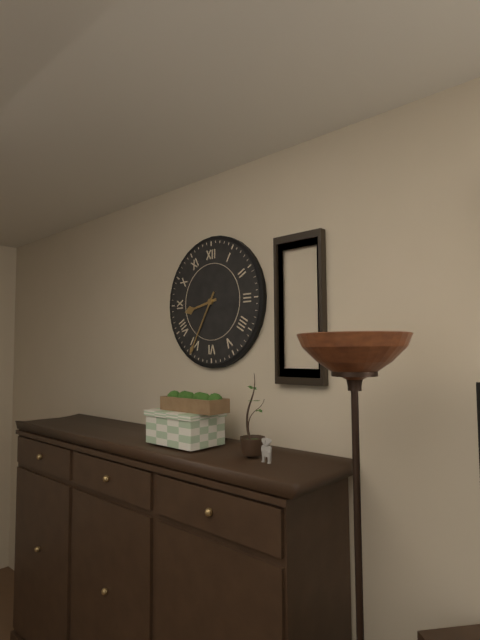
8.35
